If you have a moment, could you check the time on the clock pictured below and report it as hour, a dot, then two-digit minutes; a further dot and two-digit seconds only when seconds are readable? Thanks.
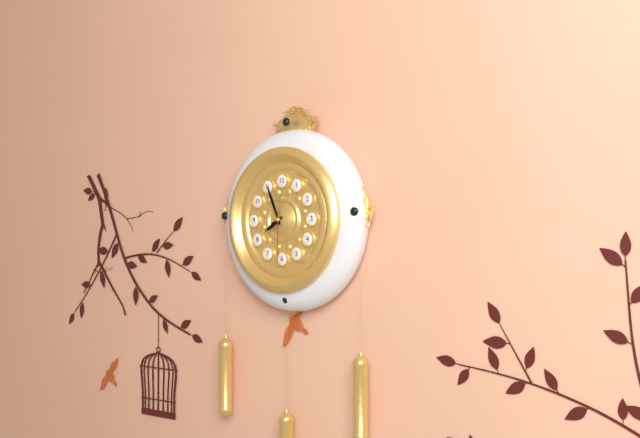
7.56.30
